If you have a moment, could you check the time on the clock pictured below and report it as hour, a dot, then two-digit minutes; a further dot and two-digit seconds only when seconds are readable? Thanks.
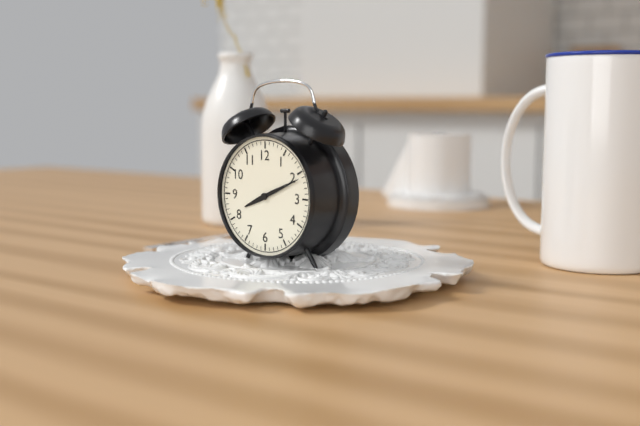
8.11
